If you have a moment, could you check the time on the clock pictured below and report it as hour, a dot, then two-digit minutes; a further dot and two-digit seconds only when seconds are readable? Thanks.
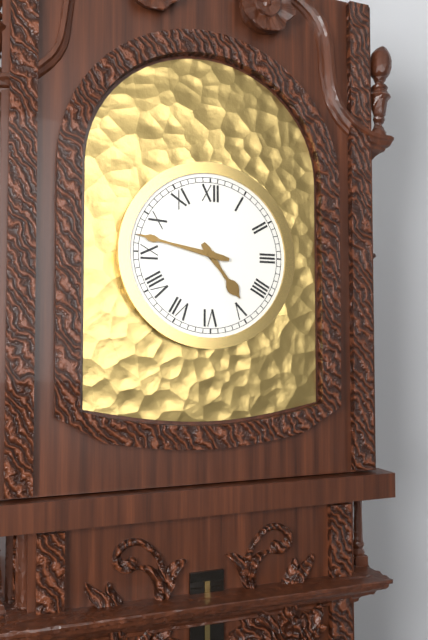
4.47
